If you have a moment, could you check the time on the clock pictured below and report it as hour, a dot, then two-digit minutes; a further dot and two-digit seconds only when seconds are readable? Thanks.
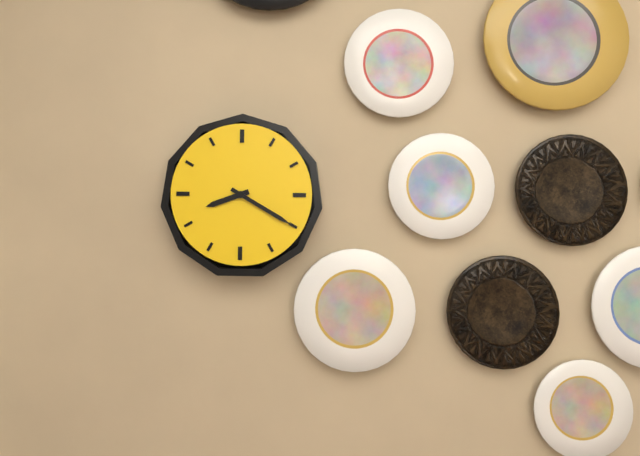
8.20
